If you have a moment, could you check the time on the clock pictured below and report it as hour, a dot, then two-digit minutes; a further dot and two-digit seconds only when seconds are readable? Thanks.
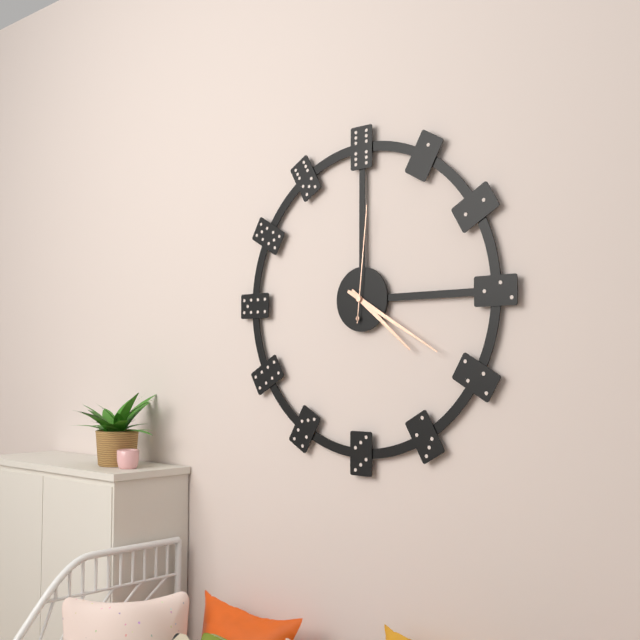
4.20.01
